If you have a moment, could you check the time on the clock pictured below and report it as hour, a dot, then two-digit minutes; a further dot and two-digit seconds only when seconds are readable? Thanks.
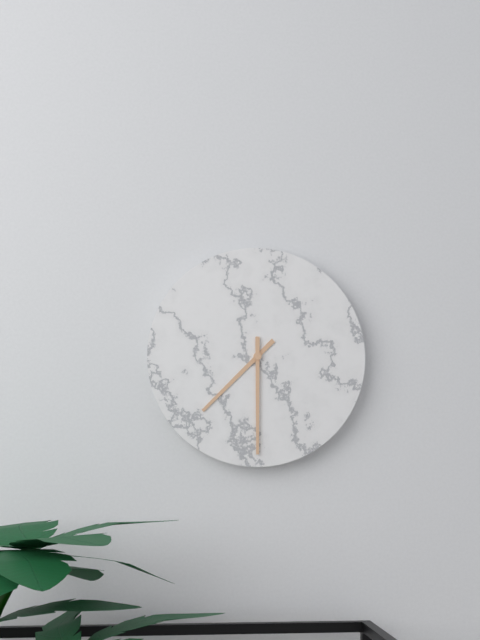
7.30
